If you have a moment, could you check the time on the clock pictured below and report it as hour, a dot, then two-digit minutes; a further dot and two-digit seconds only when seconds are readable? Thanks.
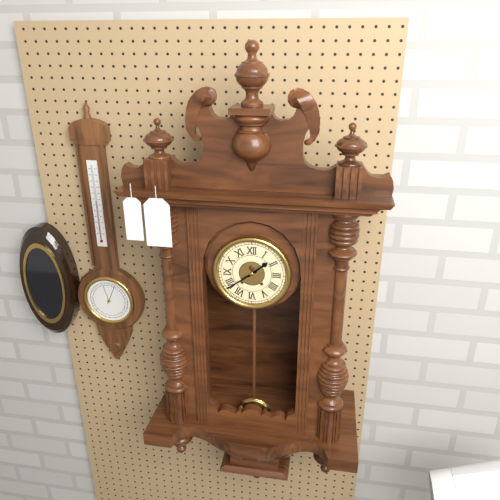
1.39
